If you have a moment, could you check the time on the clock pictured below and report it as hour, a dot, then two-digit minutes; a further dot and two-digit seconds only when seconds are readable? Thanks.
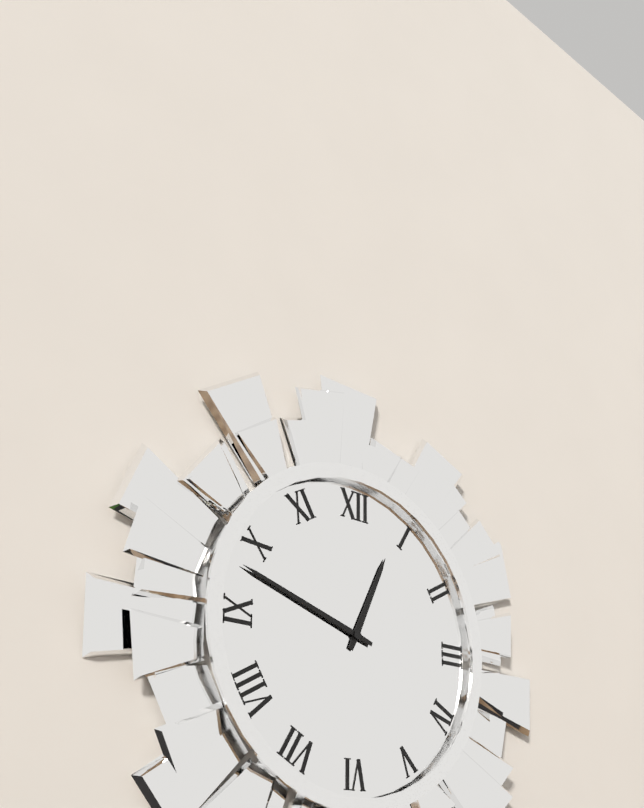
12.48
